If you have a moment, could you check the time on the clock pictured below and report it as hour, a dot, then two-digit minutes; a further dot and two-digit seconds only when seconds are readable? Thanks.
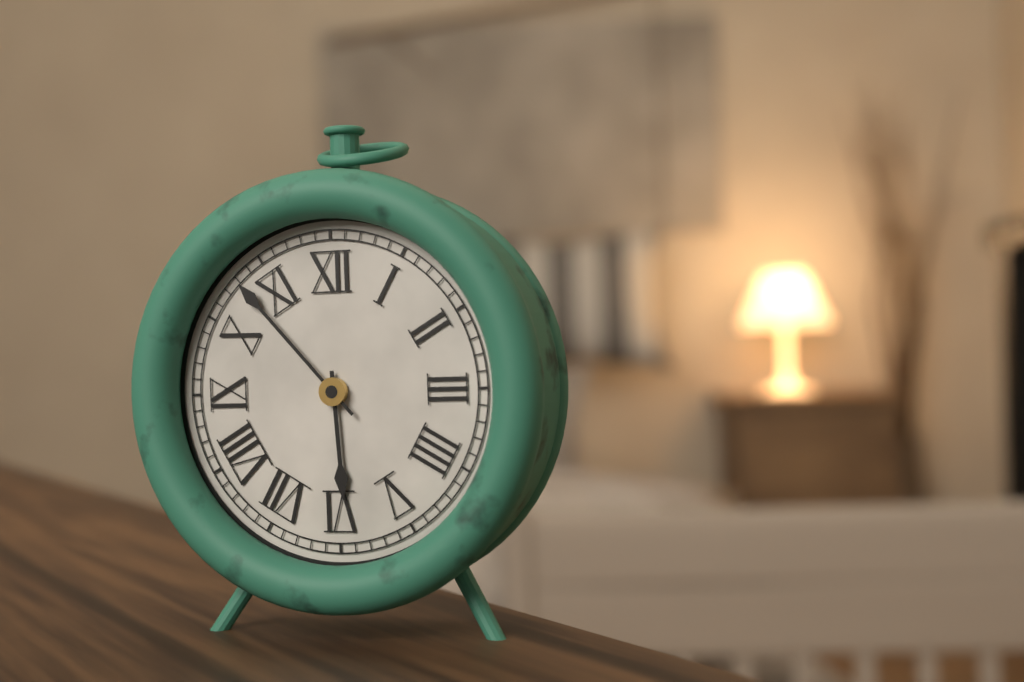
5.53
